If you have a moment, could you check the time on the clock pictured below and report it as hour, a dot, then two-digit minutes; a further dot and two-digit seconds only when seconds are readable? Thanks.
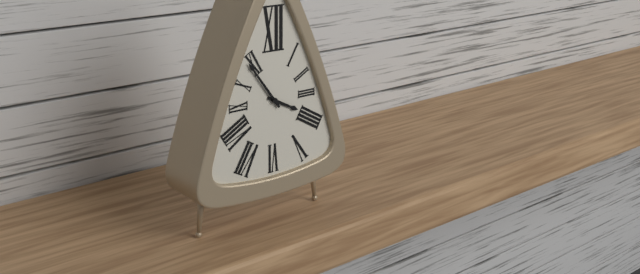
3.54
